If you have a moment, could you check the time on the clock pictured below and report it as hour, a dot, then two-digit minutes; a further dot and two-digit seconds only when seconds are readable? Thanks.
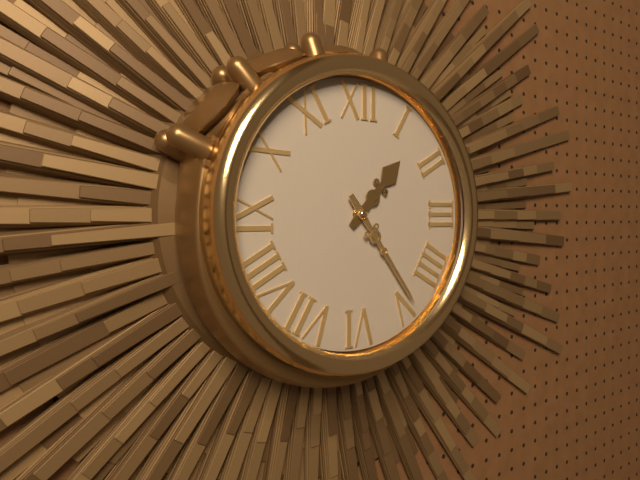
1.24
